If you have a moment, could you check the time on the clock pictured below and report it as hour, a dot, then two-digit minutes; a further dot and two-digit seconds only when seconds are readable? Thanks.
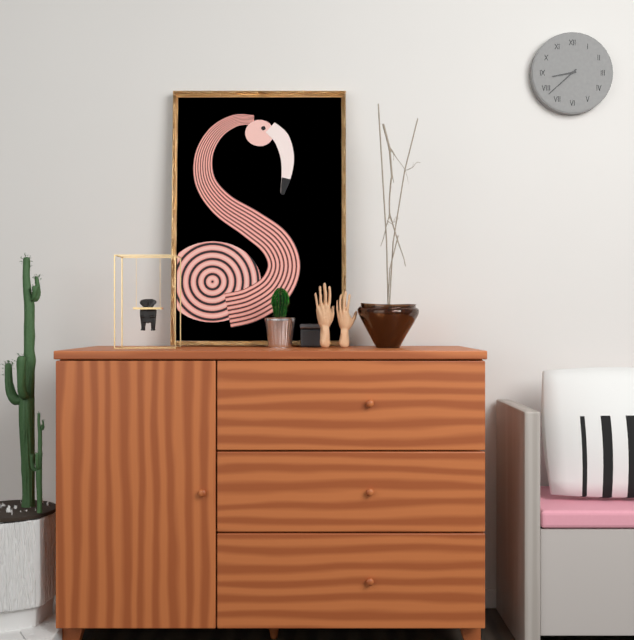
8.38
